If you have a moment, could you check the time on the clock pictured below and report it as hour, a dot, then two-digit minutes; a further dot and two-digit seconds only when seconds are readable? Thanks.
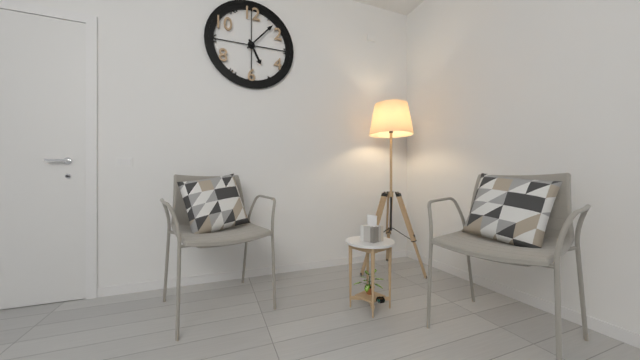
5.07
